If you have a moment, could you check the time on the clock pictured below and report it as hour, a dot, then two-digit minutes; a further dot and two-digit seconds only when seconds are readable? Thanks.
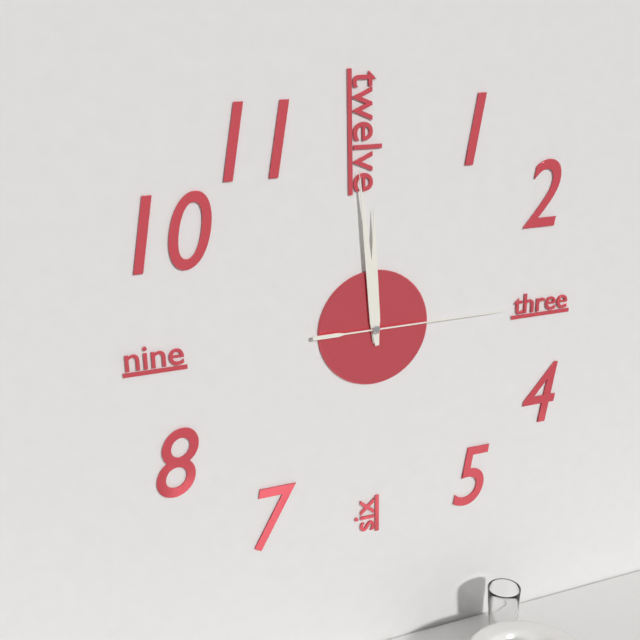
11.59.15
